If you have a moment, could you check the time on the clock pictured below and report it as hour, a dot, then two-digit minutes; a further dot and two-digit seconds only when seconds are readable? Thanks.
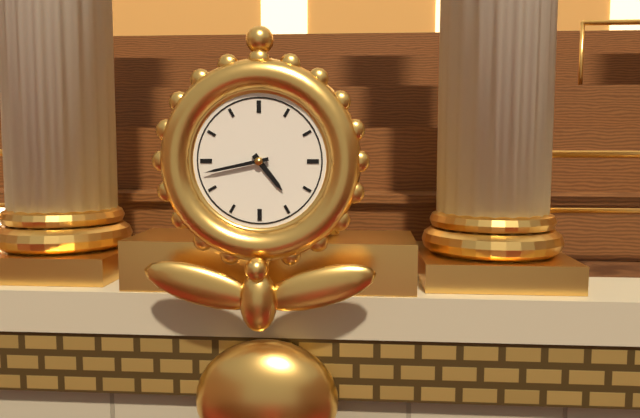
4.43
